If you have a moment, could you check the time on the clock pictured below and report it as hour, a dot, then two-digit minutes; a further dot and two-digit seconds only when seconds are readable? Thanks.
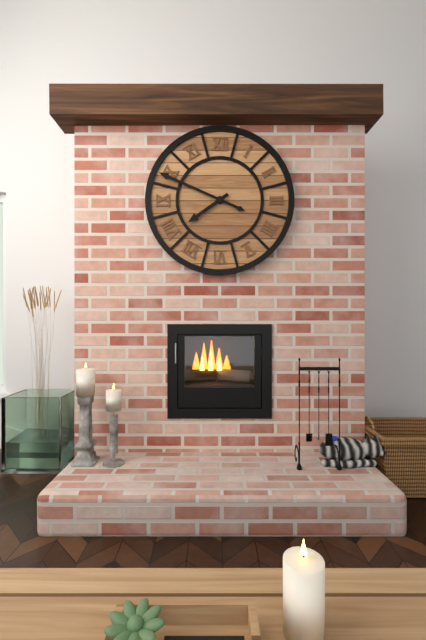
7.49
